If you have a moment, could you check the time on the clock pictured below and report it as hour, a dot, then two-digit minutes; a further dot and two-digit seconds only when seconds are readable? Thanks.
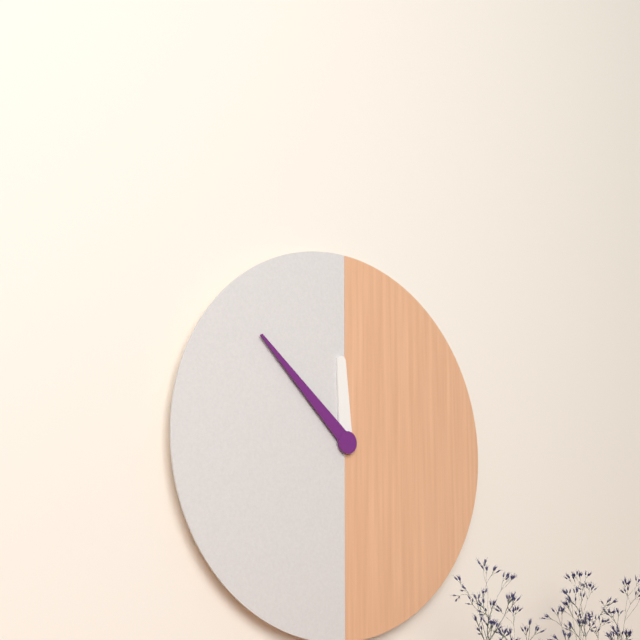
11.52
